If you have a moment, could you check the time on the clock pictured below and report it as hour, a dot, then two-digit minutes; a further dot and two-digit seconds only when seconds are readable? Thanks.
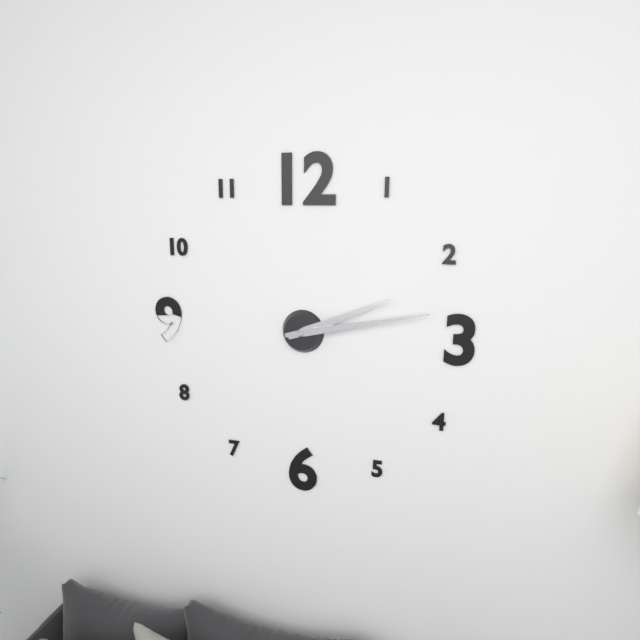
2.13
